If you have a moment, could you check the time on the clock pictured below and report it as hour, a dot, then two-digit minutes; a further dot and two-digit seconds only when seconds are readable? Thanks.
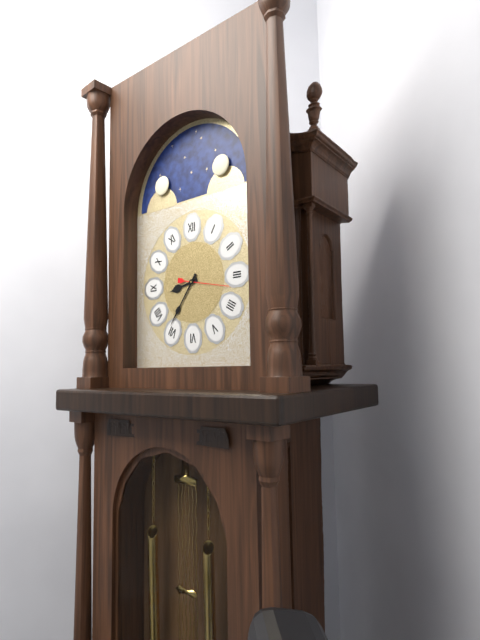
8.36
